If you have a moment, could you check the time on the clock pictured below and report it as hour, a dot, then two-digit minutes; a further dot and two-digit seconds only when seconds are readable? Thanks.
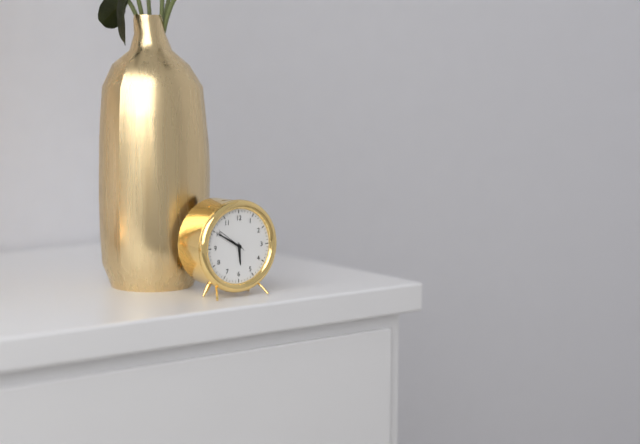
5.50
